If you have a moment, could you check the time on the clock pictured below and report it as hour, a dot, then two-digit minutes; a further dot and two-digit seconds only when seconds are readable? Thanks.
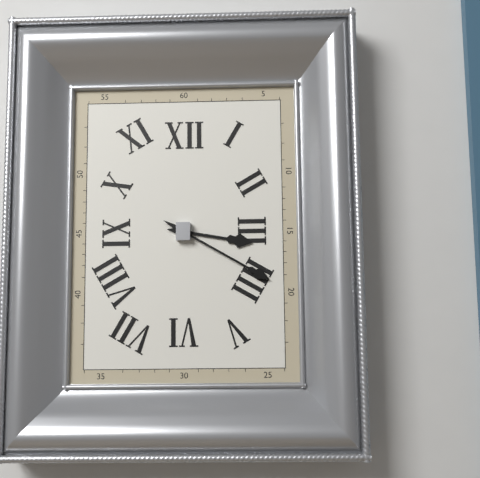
3.20
